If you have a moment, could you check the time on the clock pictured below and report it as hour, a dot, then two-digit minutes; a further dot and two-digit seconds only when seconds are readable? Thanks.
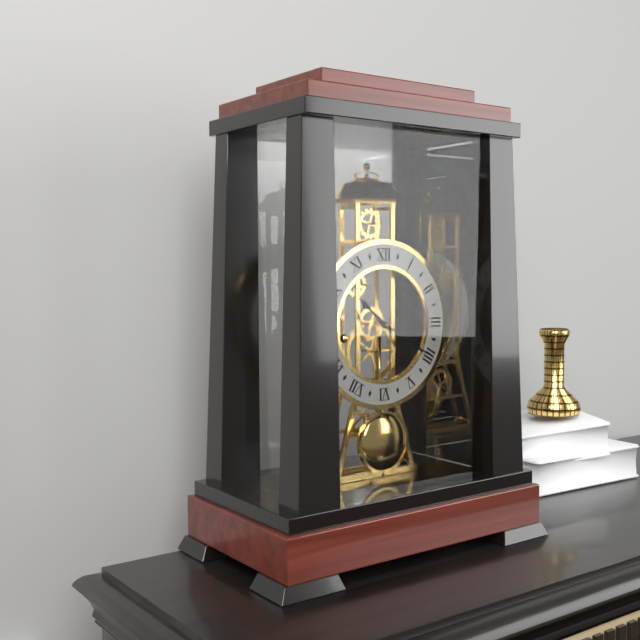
10.20
